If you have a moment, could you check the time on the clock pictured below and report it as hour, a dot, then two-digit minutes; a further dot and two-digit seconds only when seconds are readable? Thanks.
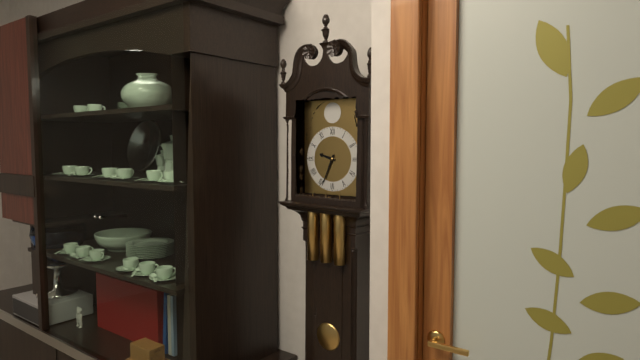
9.34
